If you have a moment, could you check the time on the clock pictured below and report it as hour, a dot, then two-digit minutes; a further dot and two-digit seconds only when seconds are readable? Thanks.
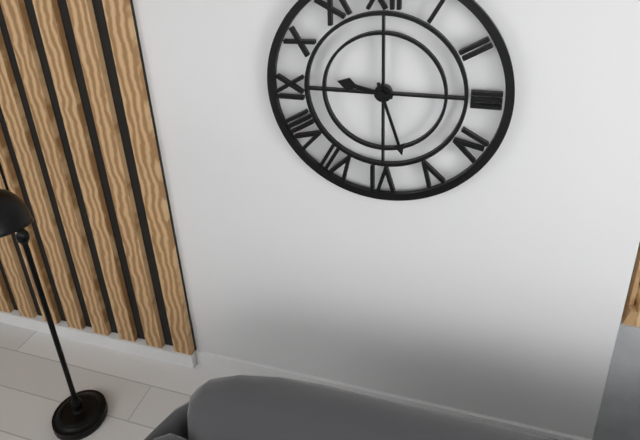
9.27
